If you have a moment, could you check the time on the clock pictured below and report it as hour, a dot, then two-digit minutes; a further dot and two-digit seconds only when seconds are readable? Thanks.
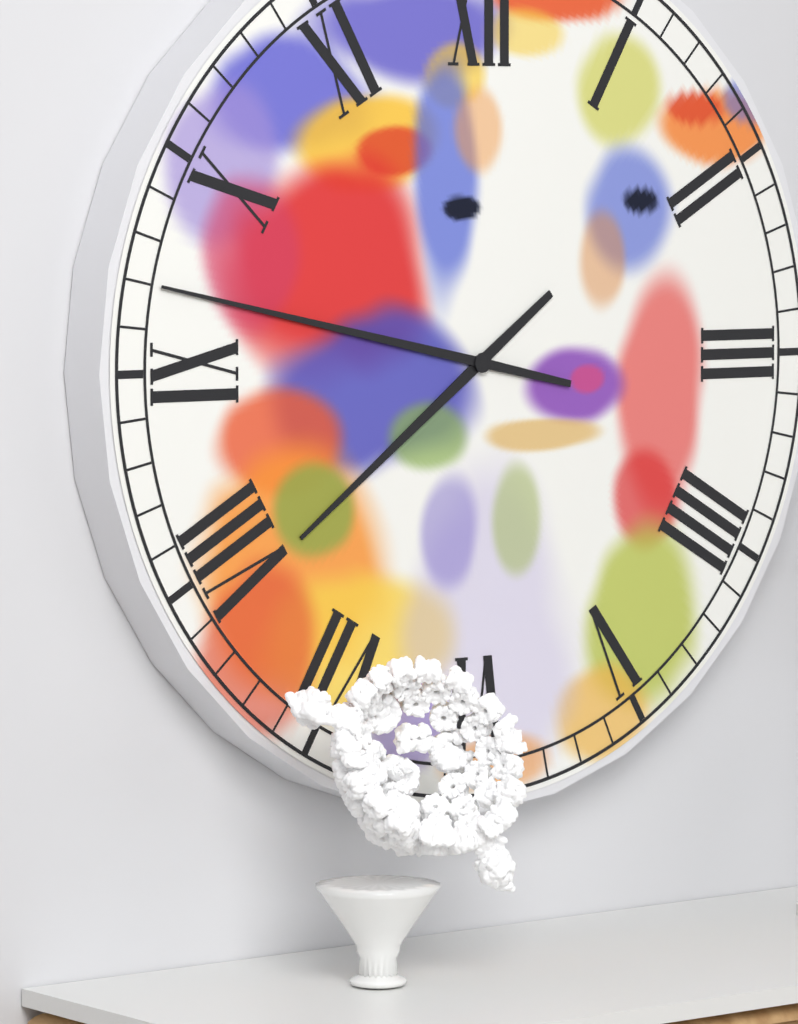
7.47
